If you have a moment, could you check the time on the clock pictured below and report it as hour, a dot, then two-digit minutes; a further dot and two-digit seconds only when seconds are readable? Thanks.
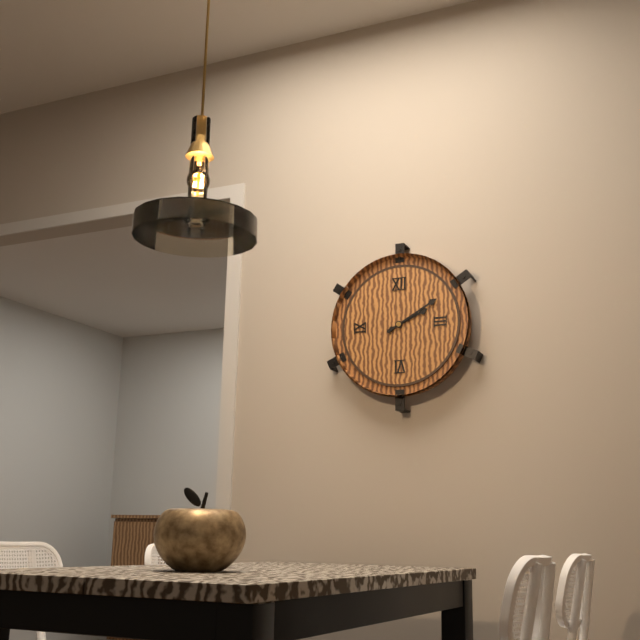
2.10
